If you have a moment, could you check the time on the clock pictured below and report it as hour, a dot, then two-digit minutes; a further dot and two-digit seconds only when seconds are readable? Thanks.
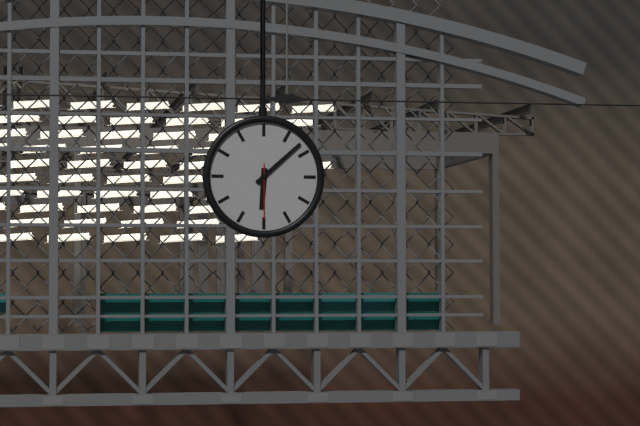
6.08.30
